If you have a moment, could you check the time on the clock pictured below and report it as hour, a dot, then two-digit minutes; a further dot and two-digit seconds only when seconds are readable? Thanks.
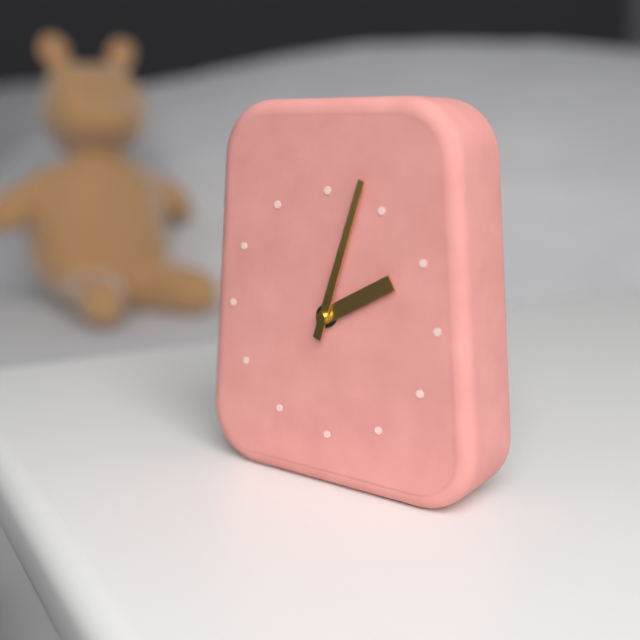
2.03
